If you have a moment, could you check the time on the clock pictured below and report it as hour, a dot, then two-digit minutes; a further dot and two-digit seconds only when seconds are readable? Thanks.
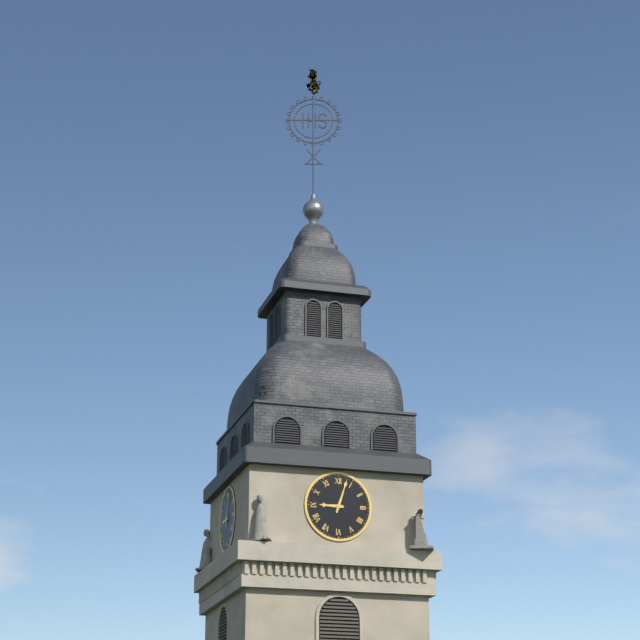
9.03
